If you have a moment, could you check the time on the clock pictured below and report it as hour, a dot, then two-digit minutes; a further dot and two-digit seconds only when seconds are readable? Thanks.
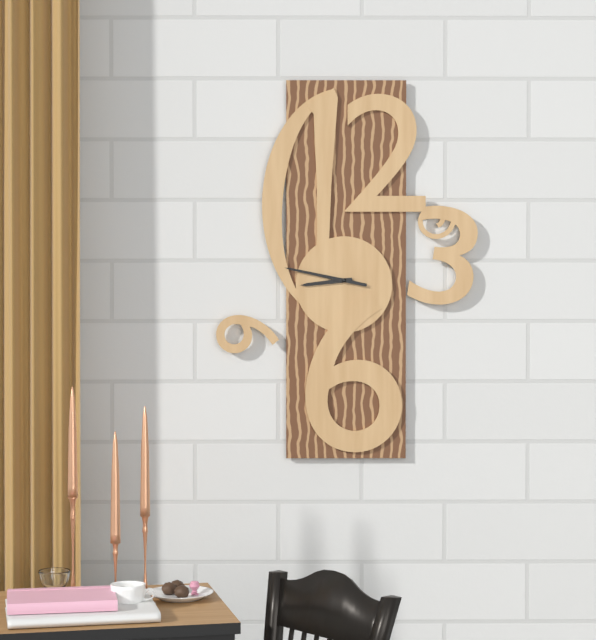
8.47
